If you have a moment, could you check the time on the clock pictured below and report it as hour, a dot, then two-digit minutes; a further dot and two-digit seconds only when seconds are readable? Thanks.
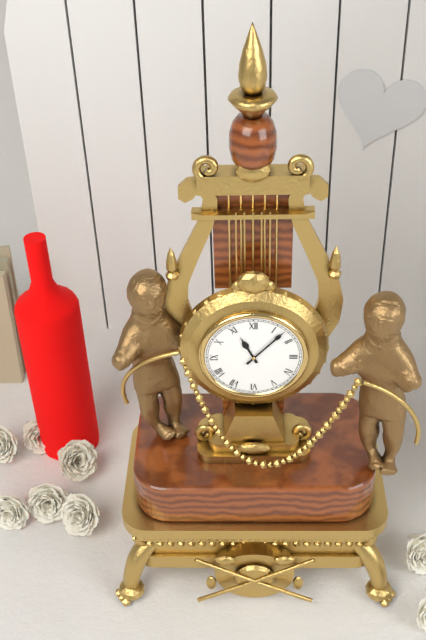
11.07
